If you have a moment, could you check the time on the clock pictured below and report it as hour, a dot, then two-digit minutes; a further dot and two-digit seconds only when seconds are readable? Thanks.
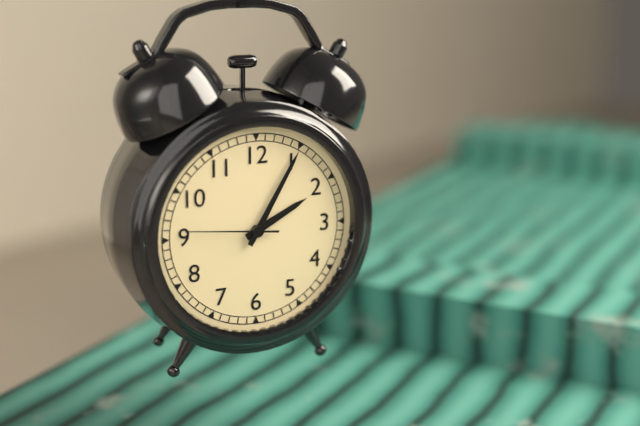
2.05.46
